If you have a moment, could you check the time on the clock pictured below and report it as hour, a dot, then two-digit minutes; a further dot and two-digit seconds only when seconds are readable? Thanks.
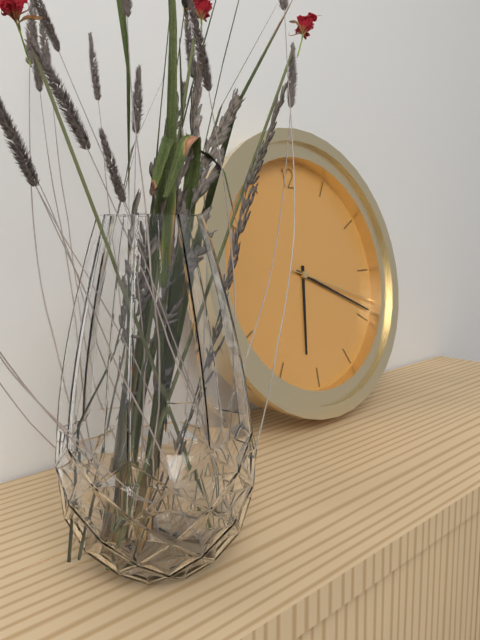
6.19.18
